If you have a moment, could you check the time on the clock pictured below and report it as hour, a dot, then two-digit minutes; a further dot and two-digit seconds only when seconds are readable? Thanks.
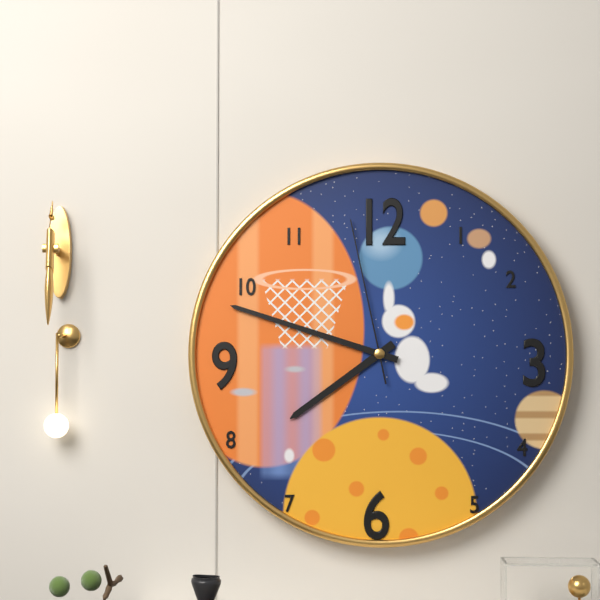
7.48.58
